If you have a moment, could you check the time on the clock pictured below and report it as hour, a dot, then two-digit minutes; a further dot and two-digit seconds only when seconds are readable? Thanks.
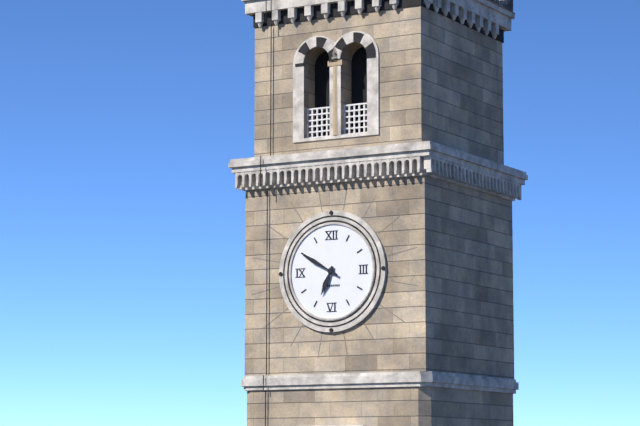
6.50
